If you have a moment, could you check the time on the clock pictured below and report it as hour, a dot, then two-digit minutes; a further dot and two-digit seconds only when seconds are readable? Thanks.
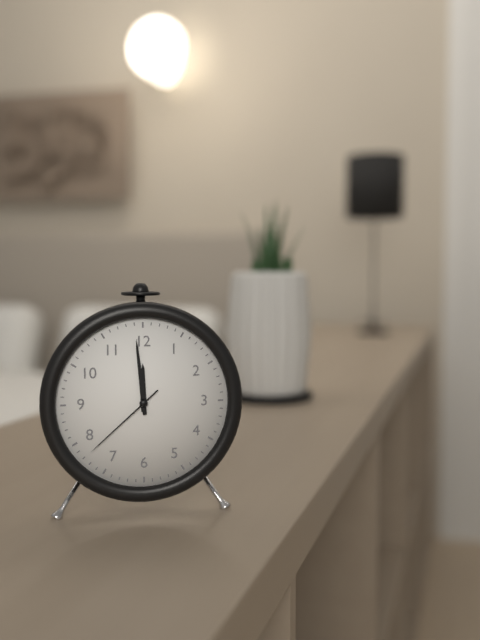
11.59.38
